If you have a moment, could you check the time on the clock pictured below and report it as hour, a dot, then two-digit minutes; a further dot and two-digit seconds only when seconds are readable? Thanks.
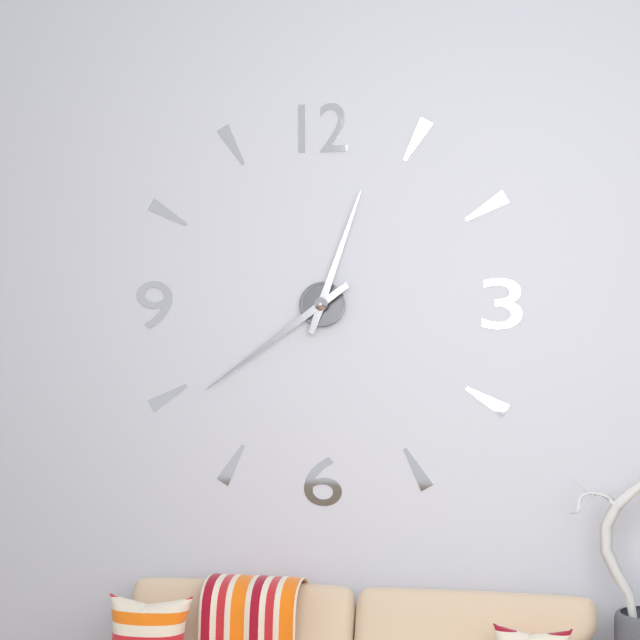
12.39
